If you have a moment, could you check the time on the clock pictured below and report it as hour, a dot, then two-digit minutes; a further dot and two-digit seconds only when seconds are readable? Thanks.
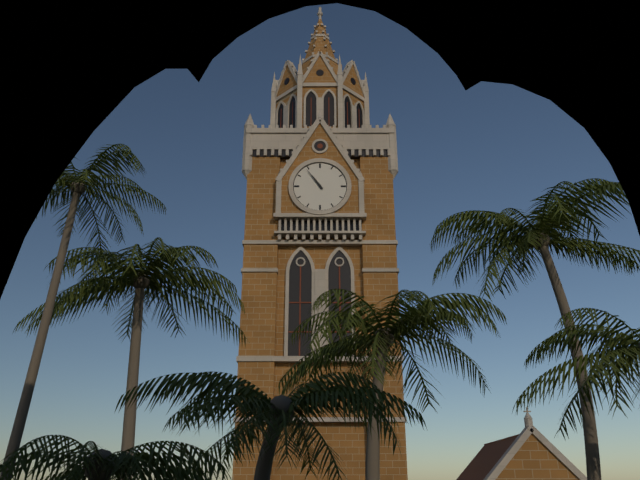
10.54
